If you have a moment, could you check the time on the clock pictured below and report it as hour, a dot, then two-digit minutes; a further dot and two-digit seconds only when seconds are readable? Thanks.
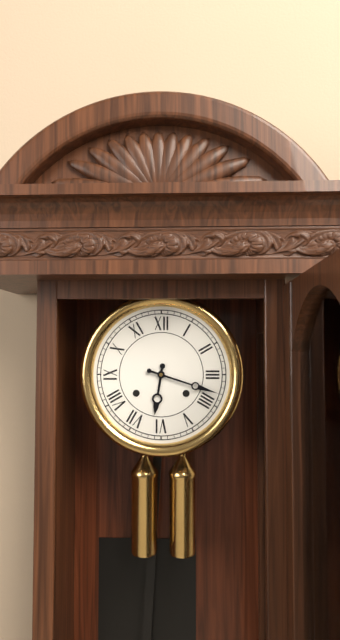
6.18
